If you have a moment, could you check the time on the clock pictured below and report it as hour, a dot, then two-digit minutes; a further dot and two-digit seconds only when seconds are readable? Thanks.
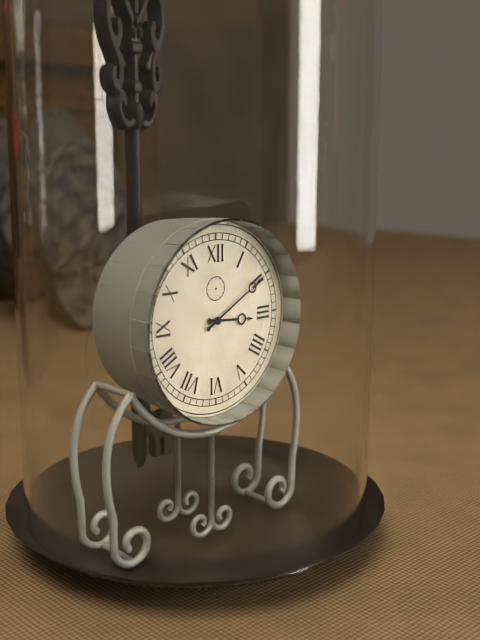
3.10
